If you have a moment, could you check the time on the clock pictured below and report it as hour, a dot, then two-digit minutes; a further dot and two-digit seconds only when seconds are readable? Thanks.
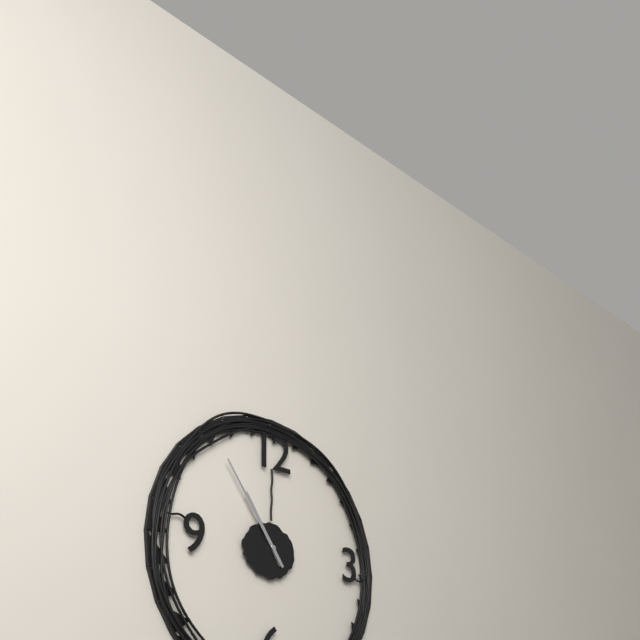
10.54
